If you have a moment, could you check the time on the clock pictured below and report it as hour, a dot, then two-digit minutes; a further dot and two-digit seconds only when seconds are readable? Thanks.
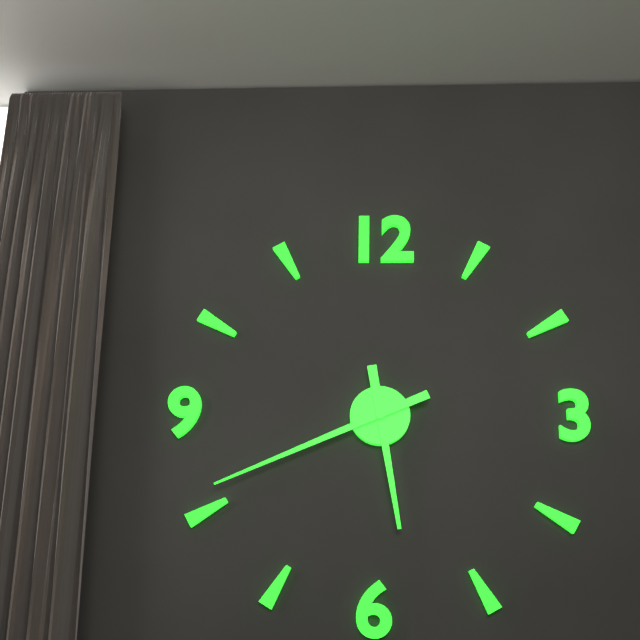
5.41
